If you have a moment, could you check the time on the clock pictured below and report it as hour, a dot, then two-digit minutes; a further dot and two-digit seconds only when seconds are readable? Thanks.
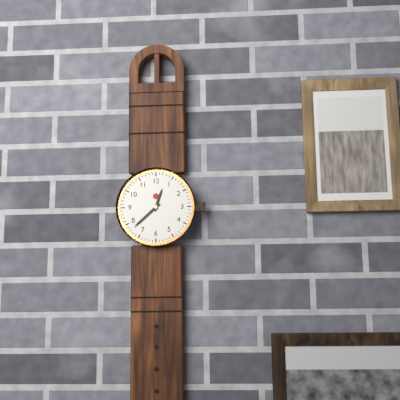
12.38
